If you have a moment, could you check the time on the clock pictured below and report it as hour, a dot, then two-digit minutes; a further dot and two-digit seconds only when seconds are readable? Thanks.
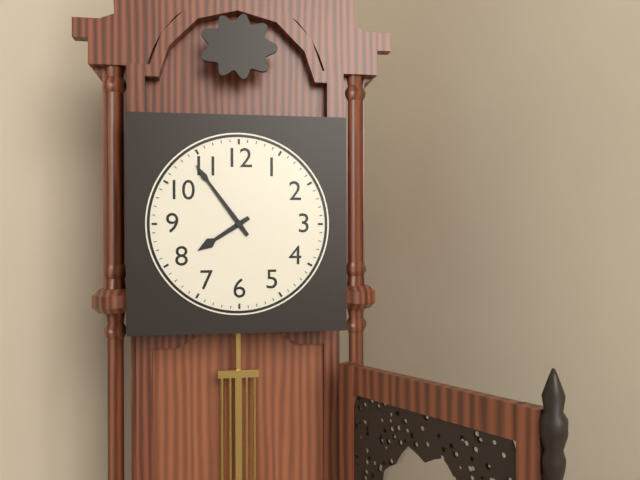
7.54
